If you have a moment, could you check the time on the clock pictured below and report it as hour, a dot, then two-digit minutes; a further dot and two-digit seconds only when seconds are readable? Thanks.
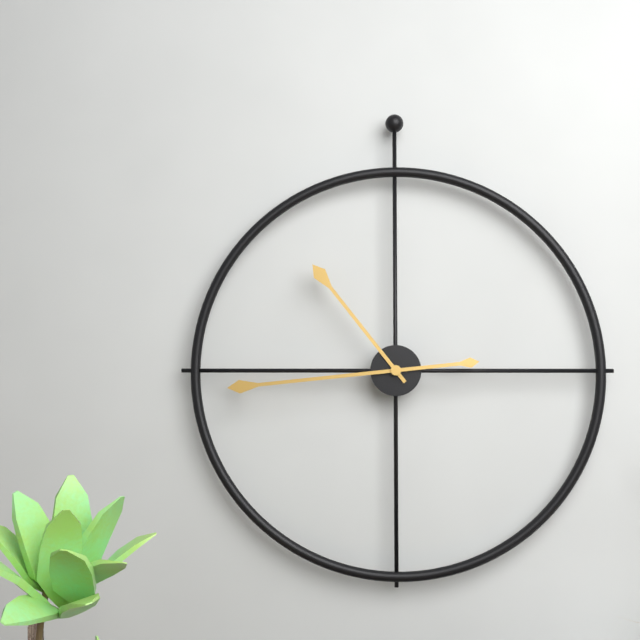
10.44
